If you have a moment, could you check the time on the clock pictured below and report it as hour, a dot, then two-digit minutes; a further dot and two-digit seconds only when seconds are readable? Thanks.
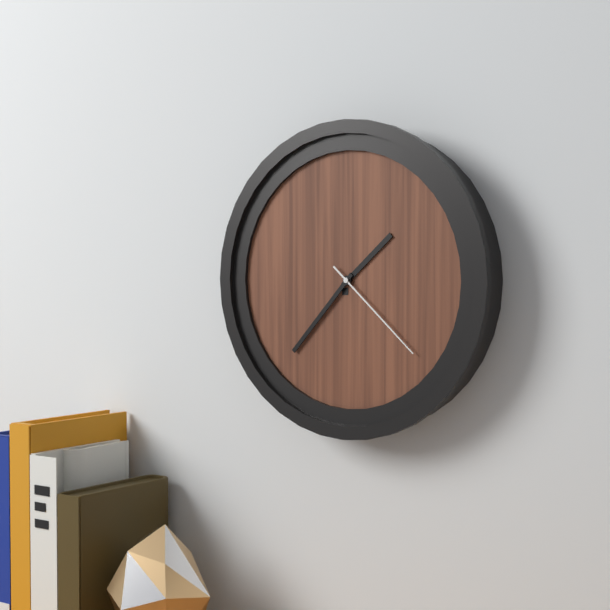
1.37.22
